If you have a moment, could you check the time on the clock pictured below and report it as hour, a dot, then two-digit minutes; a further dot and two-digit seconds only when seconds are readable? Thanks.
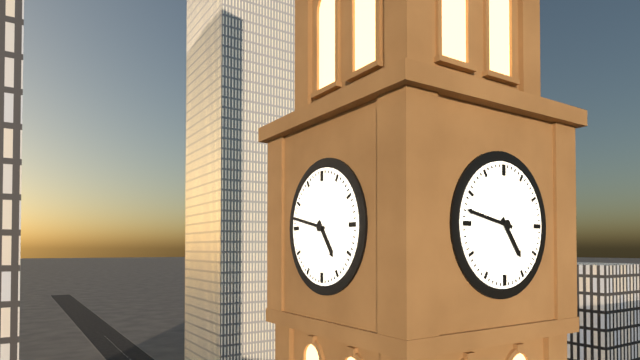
4.47
